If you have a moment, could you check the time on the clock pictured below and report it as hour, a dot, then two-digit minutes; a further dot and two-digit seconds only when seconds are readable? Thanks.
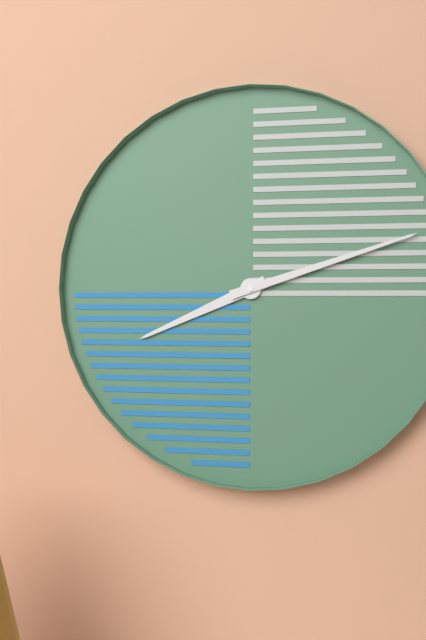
8.12
